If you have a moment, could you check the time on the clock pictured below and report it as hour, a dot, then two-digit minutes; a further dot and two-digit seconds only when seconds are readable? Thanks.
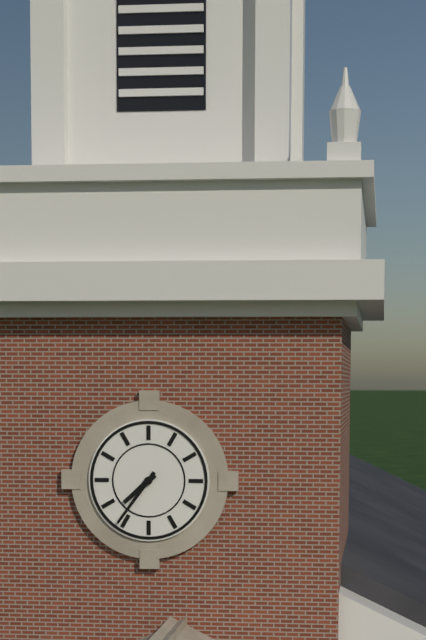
7.36
